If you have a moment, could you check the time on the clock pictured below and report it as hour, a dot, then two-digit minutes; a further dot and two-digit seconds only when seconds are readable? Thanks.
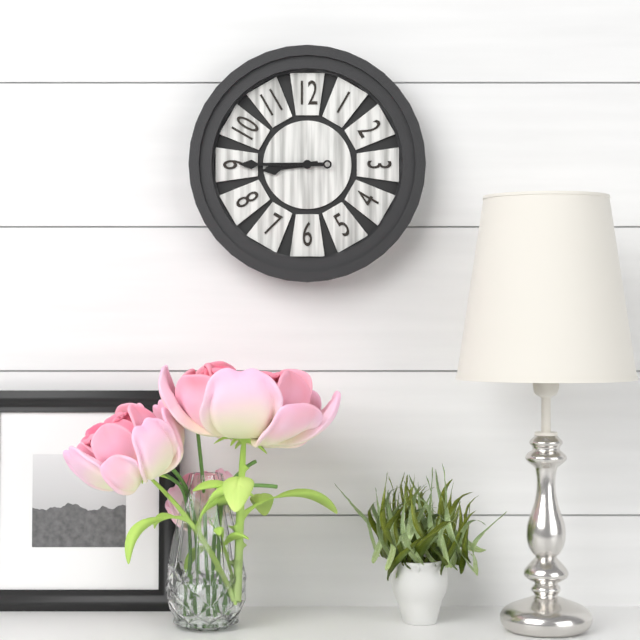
8.45
